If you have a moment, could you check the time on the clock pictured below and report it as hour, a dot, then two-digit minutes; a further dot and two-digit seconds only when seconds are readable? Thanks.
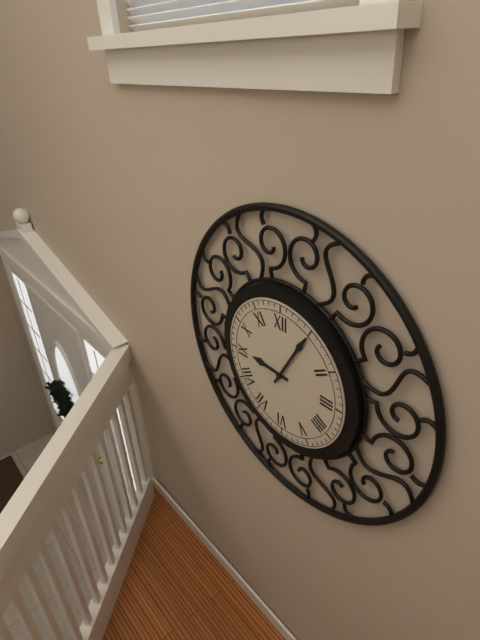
9.05
